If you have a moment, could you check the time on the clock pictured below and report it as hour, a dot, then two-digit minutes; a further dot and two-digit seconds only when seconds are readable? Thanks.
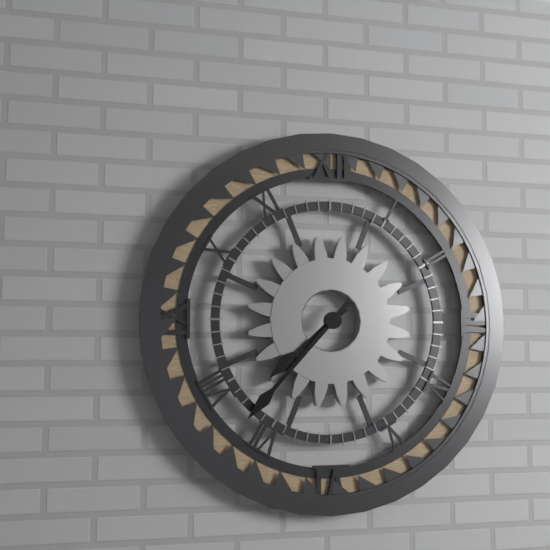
7.37
